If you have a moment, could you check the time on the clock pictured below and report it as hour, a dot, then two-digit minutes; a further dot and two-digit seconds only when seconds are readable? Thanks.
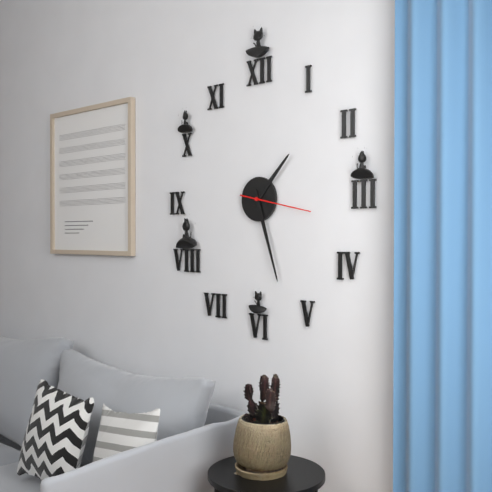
1.27.17
